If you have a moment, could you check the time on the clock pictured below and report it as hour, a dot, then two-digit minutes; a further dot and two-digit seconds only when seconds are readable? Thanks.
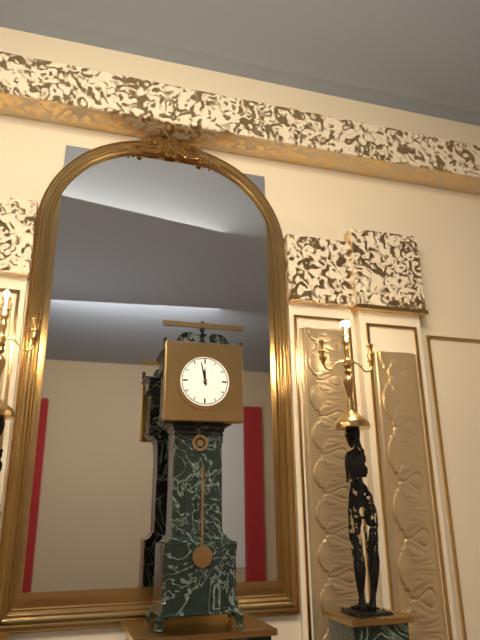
11.58
